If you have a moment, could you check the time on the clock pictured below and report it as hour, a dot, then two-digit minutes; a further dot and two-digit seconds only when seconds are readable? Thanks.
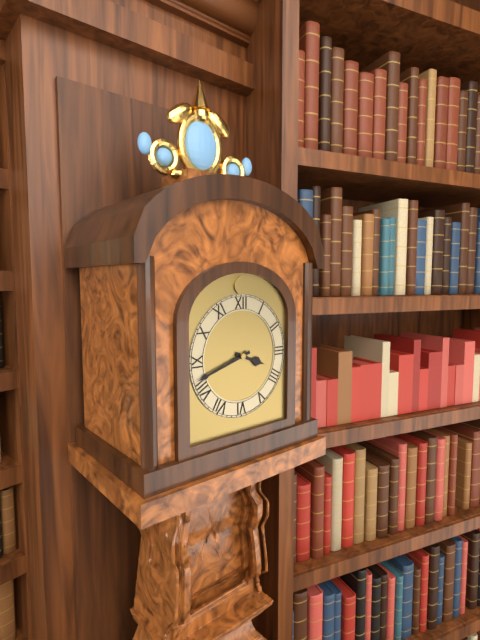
3.42
